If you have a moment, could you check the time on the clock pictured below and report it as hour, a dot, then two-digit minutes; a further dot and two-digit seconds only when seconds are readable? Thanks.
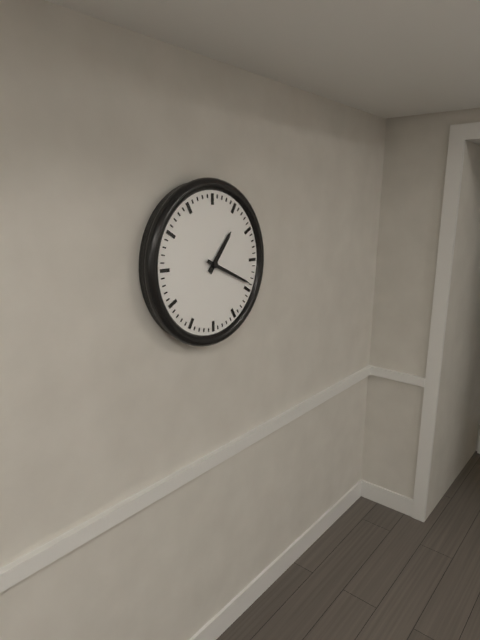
1.19
